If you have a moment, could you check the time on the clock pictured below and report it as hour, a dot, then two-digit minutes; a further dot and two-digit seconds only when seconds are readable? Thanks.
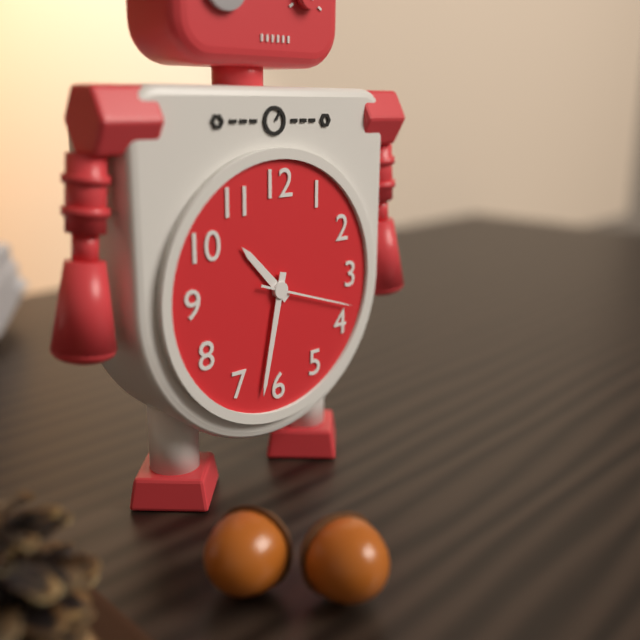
10.32.18
